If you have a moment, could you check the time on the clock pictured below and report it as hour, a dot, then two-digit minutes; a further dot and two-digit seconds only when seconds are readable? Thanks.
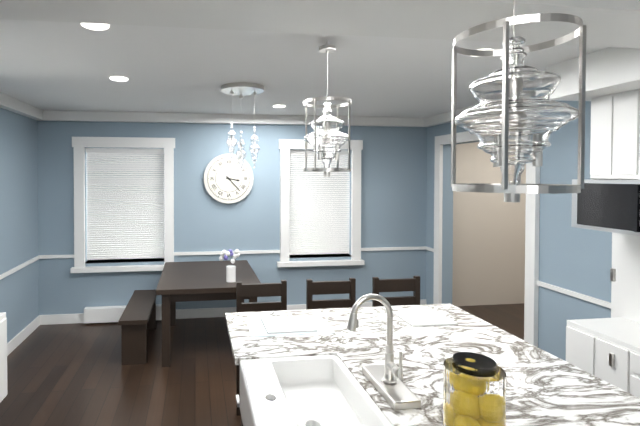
3.23
